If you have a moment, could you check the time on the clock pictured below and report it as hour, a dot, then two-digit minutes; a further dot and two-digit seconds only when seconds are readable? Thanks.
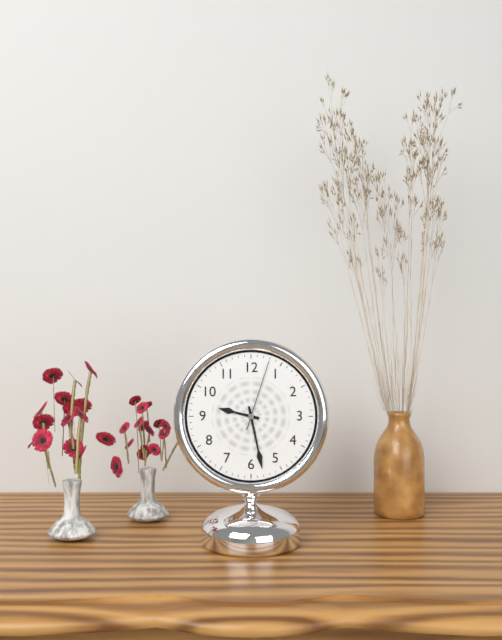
9.28.03
